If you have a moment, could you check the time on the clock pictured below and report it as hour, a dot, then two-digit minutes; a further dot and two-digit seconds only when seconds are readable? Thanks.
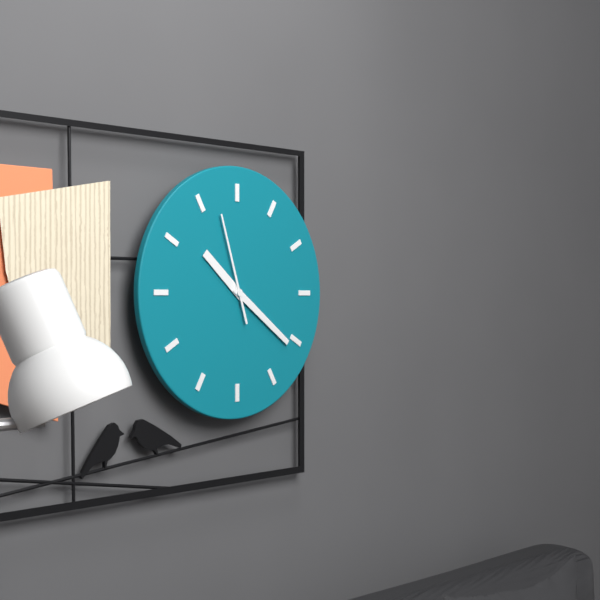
10.21.57
